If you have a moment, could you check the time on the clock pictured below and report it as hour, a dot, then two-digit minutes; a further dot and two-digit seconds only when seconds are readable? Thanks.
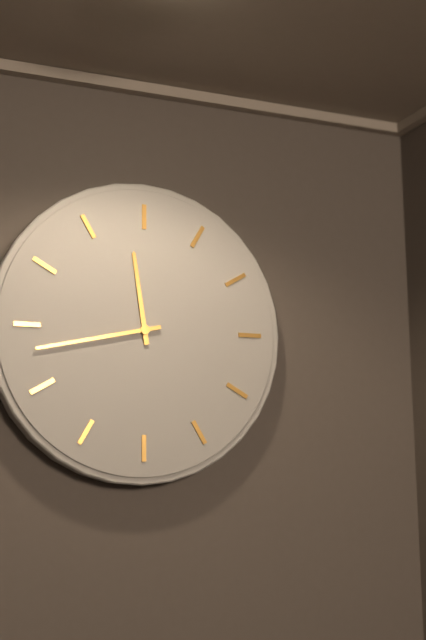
11.43
